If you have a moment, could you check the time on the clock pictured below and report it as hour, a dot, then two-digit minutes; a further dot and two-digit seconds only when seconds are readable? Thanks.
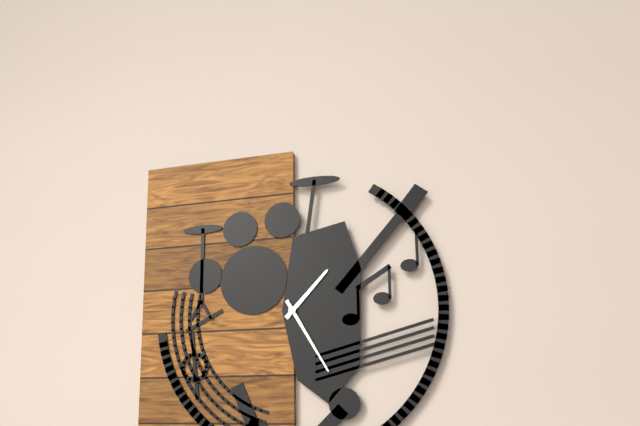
1.25
